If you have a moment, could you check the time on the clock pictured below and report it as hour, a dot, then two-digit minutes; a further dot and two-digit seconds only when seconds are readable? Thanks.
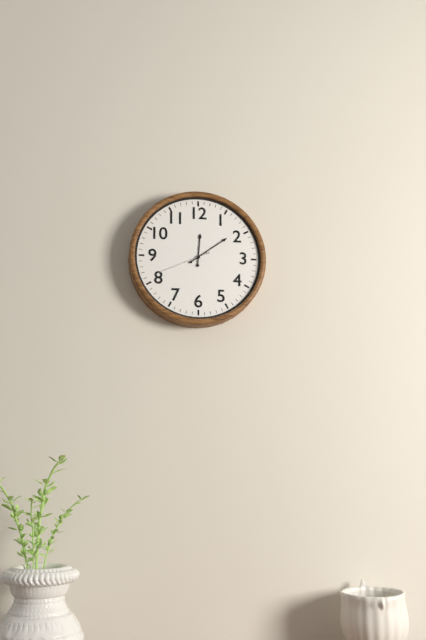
12.09.41
